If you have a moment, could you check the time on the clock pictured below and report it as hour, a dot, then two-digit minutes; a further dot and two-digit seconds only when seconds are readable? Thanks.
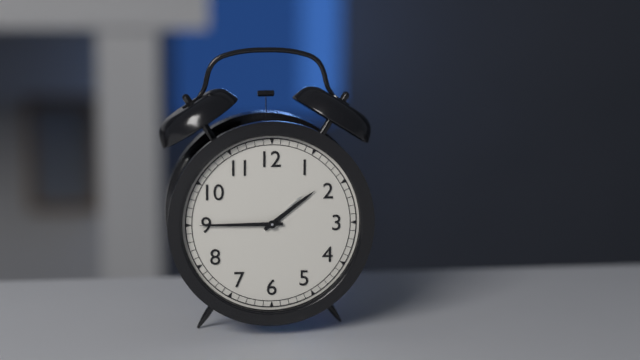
1.45
